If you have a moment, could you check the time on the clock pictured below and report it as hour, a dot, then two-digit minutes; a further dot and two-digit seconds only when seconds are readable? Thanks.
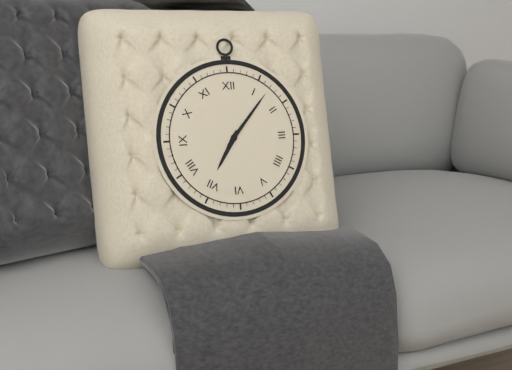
7.07
